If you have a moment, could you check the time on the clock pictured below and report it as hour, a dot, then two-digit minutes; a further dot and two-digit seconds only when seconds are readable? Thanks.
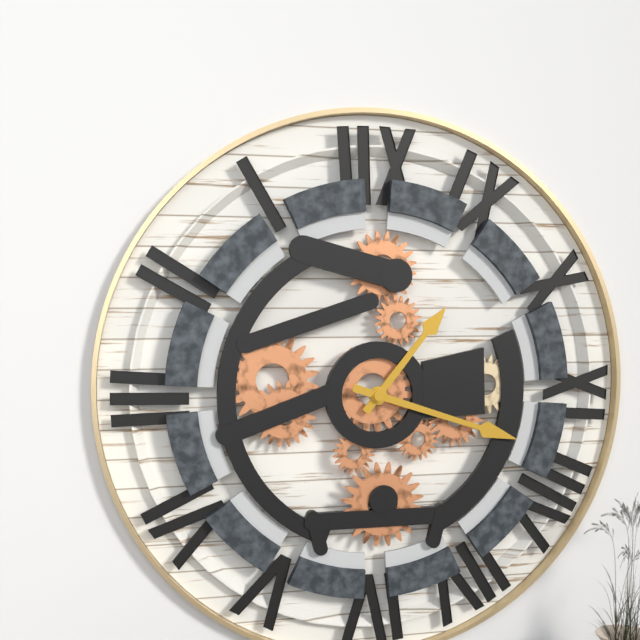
1.18
